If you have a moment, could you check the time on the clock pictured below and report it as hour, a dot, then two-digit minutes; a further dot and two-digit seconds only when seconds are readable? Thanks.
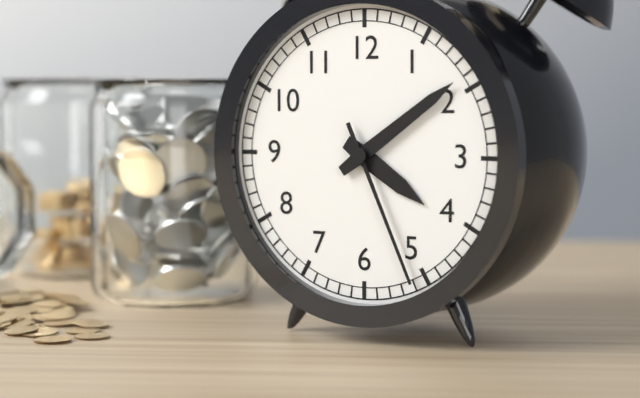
4.09.26
